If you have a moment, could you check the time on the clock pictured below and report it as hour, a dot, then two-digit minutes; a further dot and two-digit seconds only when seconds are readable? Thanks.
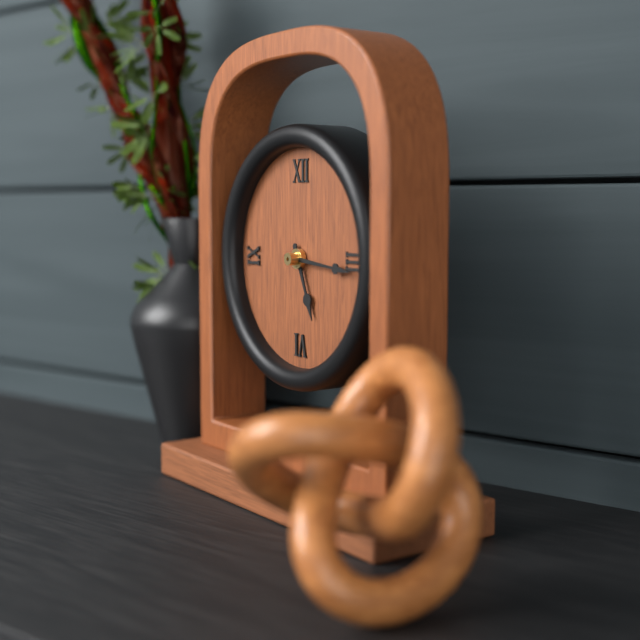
5.16
